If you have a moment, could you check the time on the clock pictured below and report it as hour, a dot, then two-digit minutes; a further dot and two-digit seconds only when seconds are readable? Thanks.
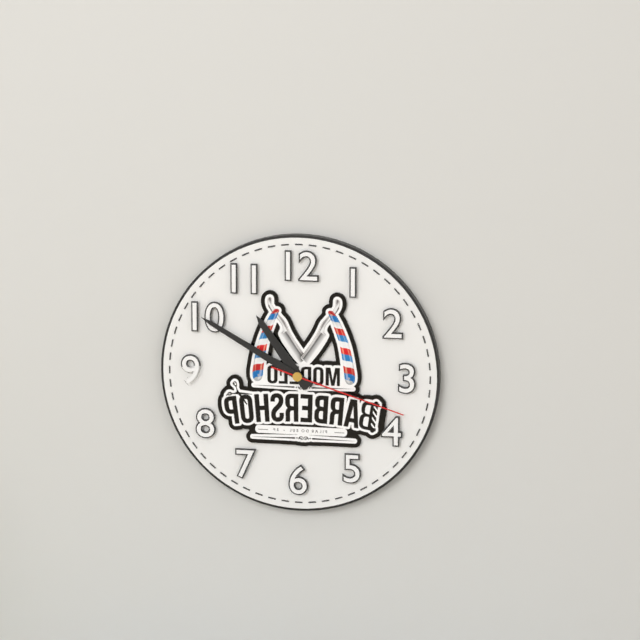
10.50.18
